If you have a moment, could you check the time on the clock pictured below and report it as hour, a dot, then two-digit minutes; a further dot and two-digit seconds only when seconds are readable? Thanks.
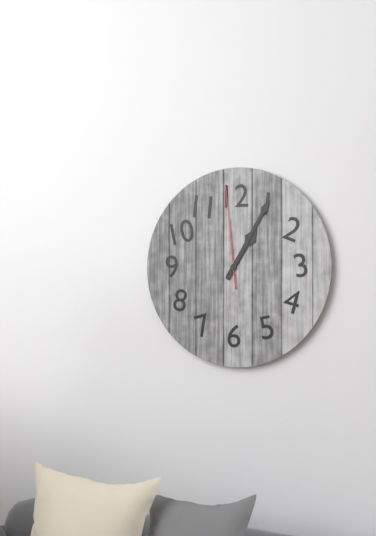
1.05.59
